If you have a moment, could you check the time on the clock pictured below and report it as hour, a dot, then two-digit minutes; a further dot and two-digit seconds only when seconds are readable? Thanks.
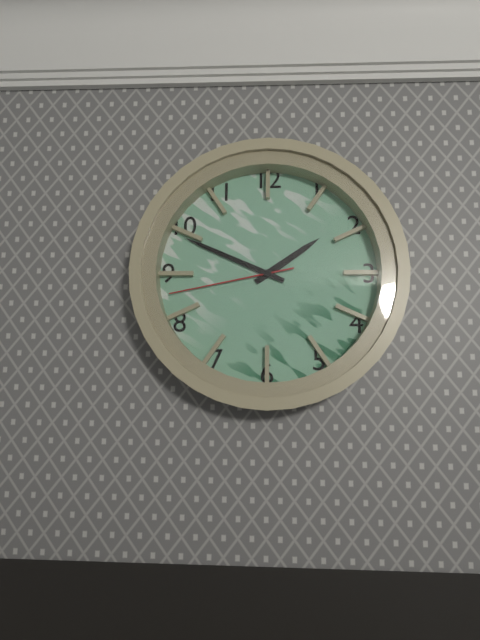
1.49.43
